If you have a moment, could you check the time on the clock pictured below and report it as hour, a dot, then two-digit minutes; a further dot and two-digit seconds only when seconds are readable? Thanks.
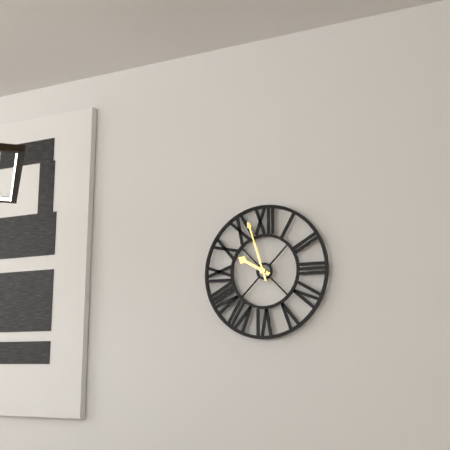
9.57
